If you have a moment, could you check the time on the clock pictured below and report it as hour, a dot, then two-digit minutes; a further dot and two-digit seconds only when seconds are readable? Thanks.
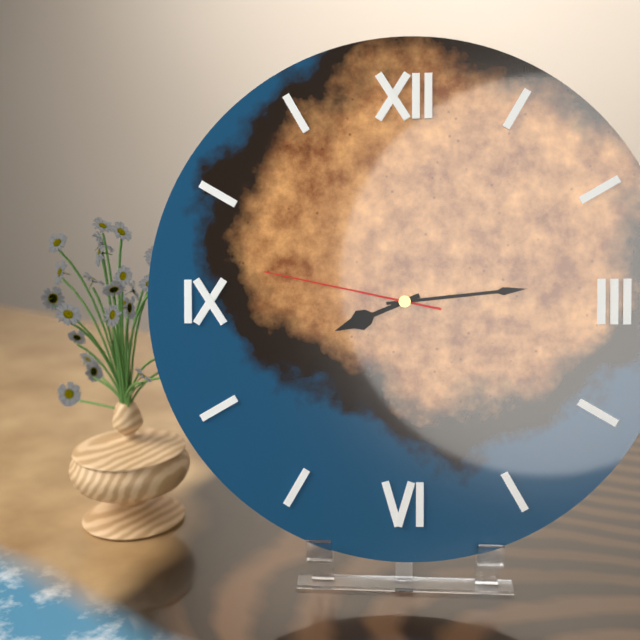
8.14.47
